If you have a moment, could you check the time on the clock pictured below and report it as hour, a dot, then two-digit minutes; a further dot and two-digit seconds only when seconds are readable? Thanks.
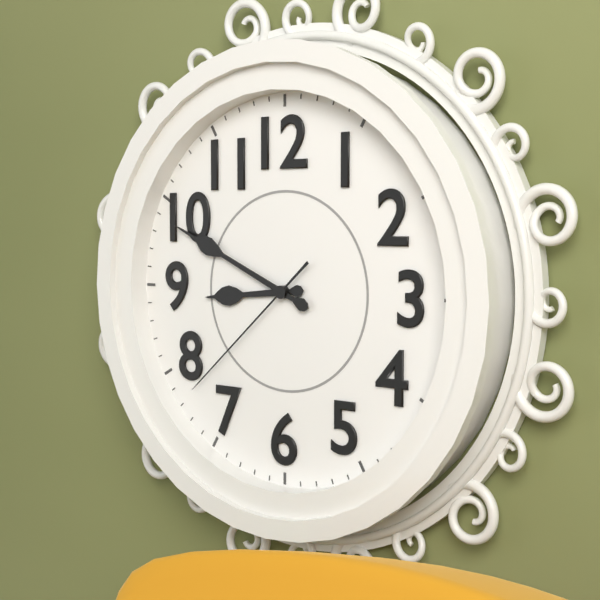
8.49.38
